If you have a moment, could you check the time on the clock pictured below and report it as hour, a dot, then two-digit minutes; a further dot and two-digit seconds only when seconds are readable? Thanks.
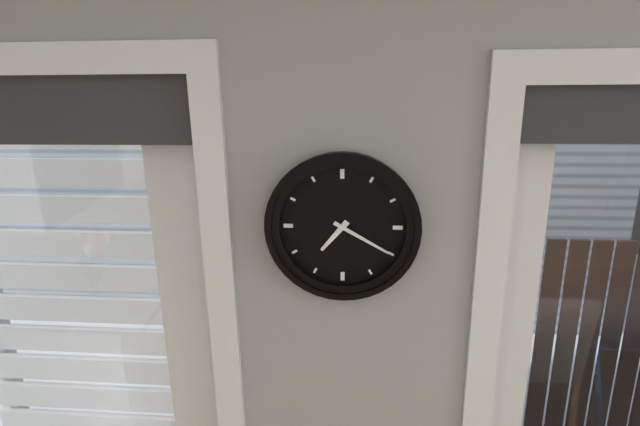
7.20
